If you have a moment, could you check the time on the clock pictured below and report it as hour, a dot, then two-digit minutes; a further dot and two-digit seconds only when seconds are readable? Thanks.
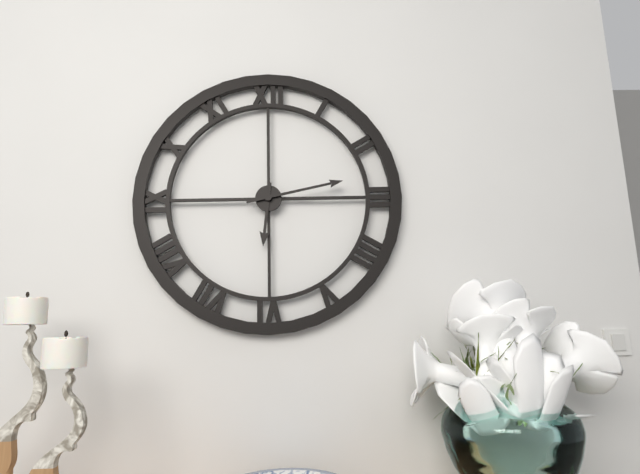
6.13
